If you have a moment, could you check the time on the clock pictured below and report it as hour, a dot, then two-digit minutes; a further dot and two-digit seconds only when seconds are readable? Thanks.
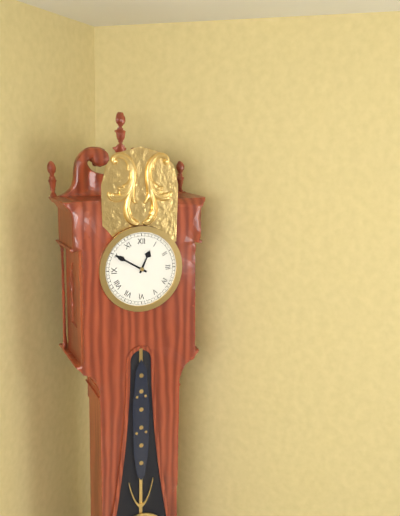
12.50
